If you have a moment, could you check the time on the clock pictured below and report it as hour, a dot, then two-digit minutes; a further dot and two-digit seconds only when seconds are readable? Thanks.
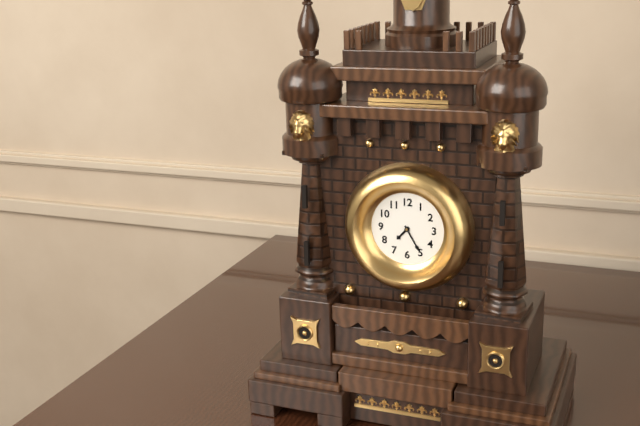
7.25
